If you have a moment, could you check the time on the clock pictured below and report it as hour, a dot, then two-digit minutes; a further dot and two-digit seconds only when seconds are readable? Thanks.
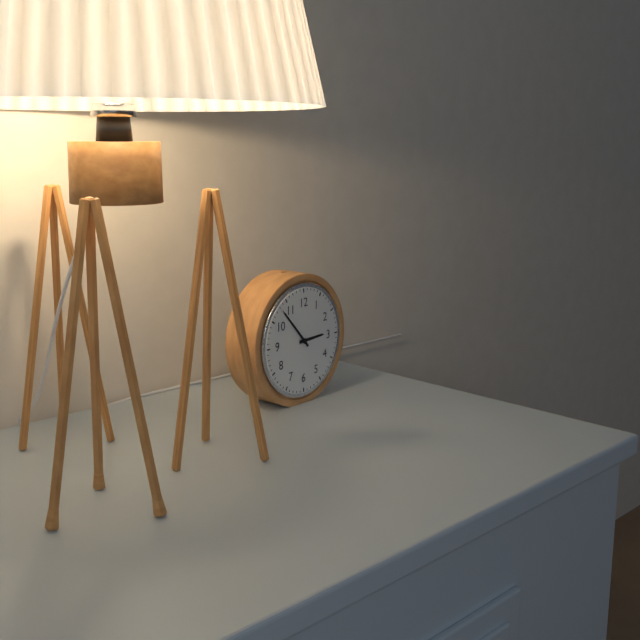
2.53
